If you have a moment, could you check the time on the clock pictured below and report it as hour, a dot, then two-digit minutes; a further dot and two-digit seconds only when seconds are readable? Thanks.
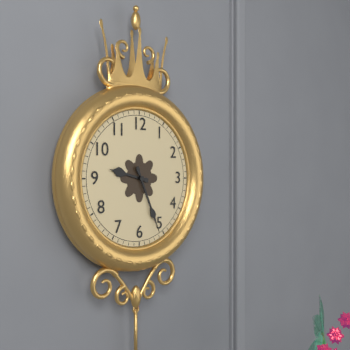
9.26
